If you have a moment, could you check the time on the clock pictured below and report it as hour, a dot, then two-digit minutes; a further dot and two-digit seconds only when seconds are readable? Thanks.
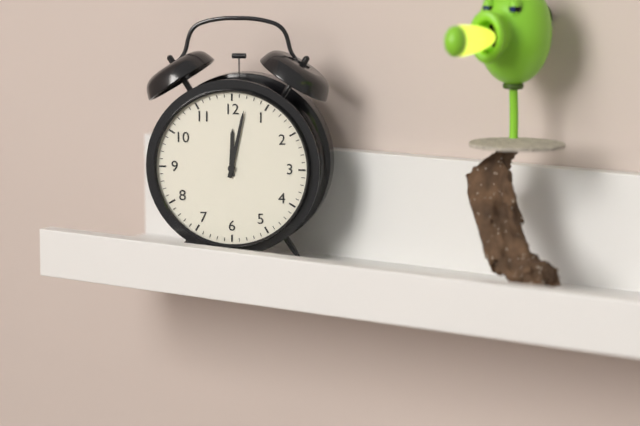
12.02
